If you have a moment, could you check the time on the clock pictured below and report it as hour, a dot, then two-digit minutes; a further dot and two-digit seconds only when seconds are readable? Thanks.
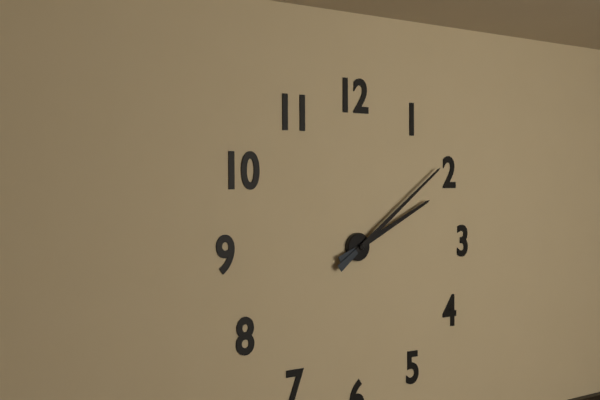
2.09
